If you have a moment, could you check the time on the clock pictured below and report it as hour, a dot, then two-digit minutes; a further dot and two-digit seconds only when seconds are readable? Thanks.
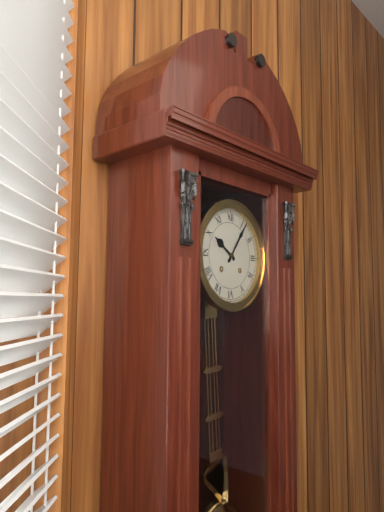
10.06
